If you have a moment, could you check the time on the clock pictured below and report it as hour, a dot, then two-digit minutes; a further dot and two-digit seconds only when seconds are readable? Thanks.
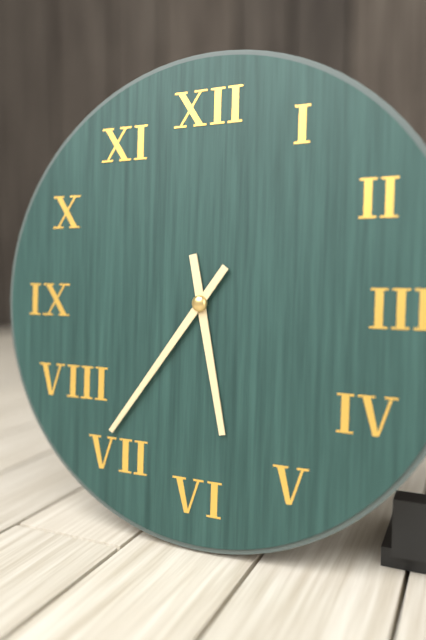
5.36
